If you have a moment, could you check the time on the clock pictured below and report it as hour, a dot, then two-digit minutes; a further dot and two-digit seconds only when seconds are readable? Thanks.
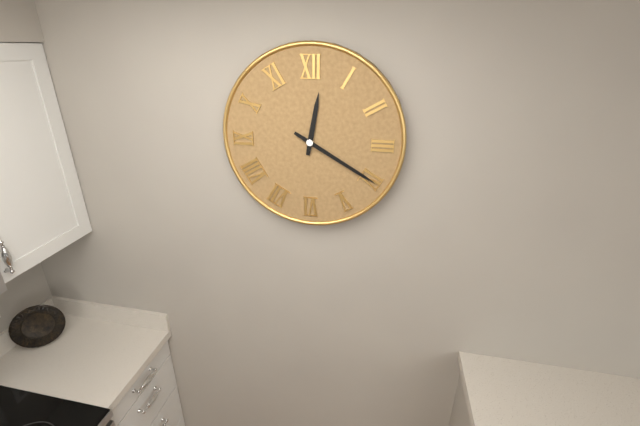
12.20
